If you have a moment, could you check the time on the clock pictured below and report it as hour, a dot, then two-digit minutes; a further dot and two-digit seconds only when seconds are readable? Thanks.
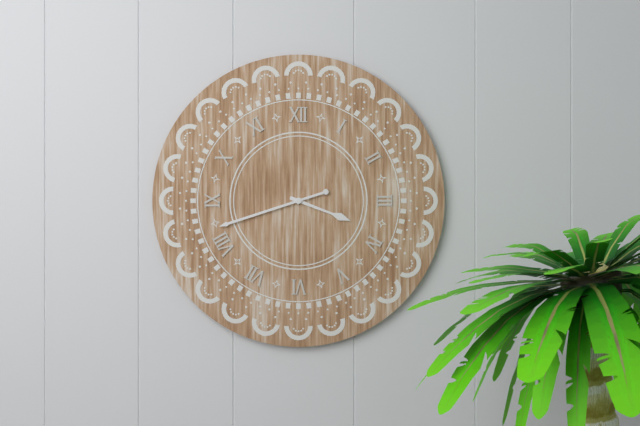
3.42
